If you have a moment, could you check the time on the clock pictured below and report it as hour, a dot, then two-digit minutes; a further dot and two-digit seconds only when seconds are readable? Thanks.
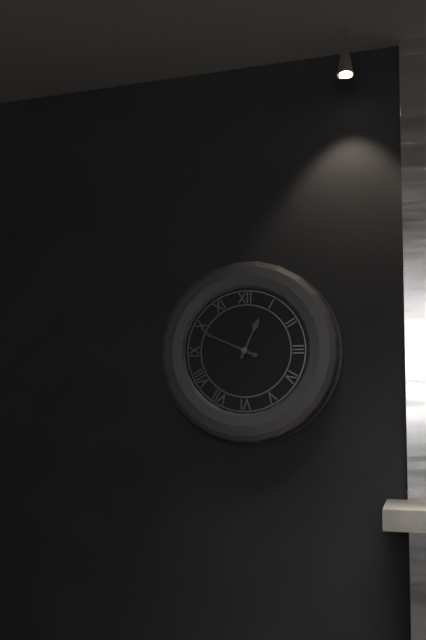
12.49
